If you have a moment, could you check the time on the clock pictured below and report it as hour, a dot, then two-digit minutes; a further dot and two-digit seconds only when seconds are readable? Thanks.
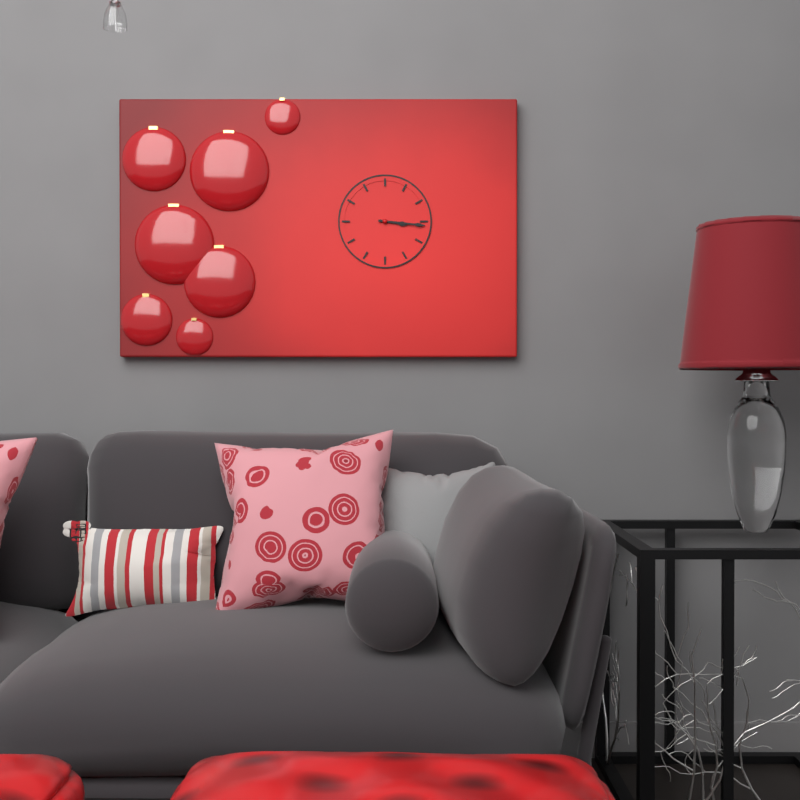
3.16
